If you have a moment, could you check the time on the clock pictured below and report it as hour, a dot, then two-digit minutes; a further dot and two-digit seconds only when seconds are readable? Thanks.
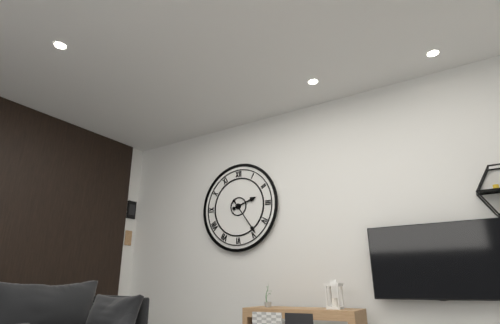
2.24
